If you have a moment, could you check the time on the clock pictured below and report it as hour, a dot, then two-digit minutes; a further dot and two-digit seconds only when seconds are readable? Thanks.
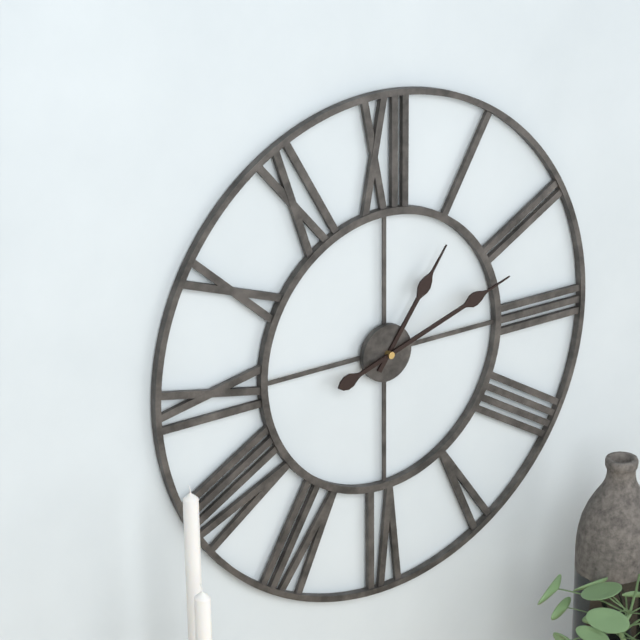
1.12
